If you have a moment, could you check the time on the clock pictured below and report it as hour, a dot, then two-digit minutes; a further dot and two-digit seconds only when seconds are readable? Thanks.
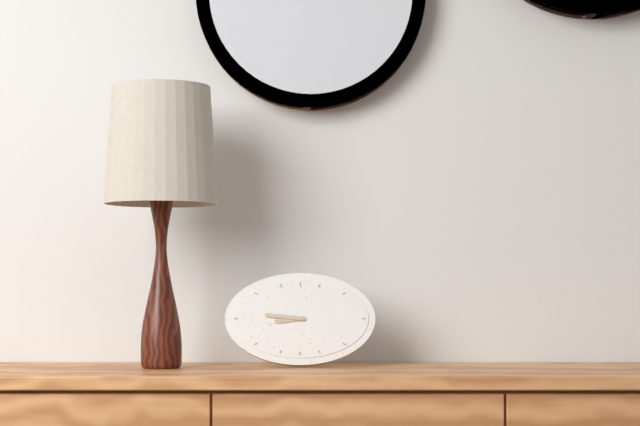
8.46
